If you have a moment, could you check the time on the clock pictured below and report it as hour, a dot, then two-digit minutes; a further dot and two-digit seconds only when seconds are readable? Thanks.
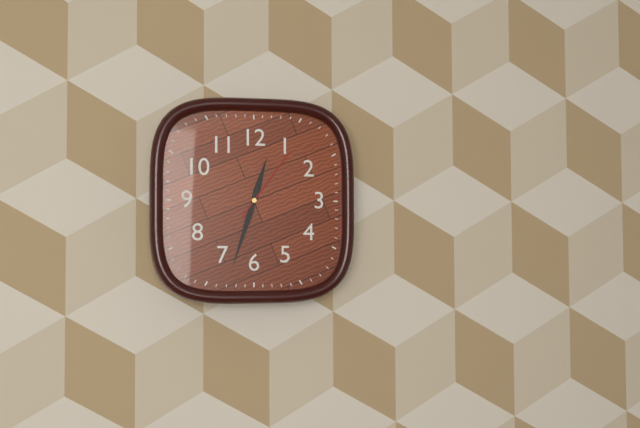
12.33.06
